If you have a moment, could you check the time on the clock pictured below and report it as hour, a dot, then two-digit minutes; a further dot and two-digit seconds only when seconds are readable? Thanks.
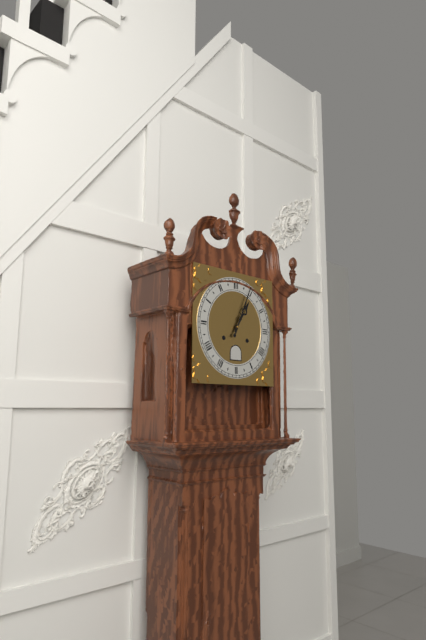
1.04
